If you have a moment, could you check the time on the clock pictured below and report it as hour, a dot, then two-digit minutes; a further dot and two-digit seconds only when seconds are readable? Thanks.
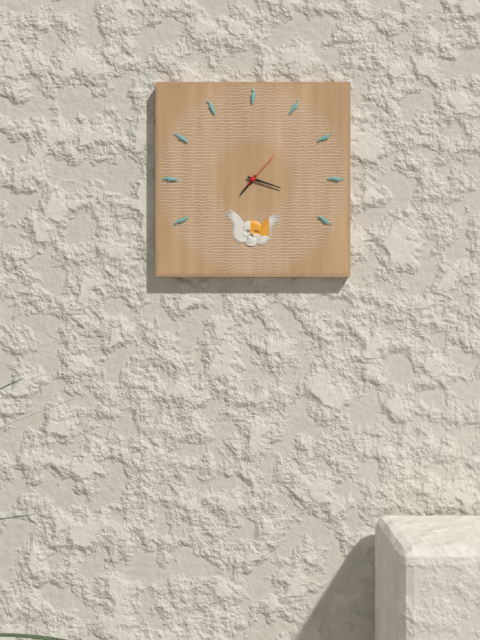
7.18
